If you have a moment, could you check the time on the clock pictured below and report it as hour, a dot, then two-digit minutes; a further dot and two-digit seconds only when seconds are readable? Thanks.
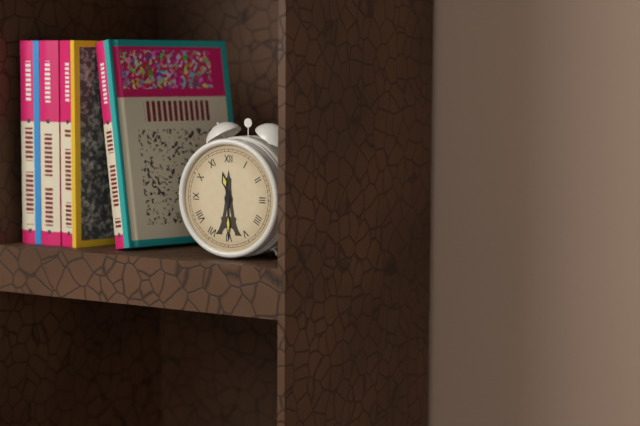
11.30
